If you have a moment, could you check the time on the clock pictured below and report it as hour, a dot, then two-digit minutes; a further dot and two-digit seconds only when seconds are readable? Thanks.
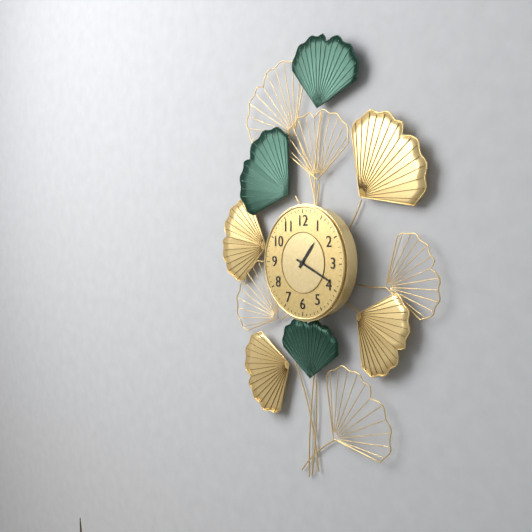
1.19
